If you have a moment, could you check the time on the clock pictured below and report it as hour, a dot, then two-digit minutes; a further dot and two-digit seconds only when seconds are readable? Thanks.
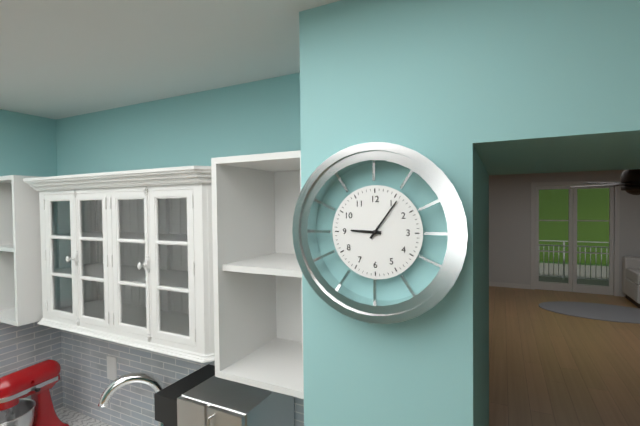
9.06
